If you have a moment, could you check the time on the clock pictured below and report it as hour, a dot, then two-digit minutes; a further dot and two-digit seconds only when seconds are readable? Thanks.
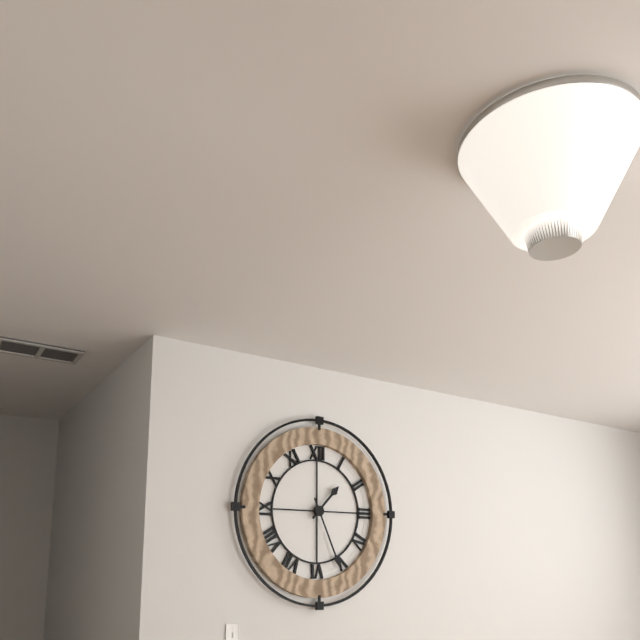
1.26
